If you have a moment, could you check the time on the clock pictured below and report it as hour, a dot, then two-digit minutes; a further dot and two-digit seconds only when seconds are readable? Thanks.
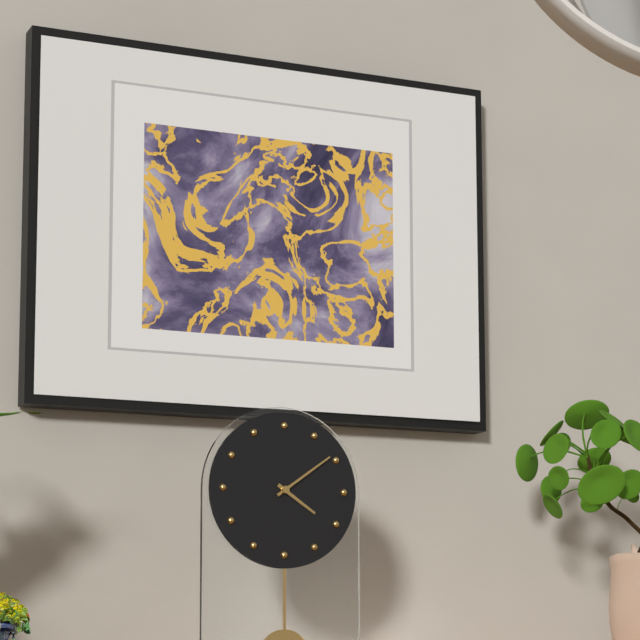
4.09
